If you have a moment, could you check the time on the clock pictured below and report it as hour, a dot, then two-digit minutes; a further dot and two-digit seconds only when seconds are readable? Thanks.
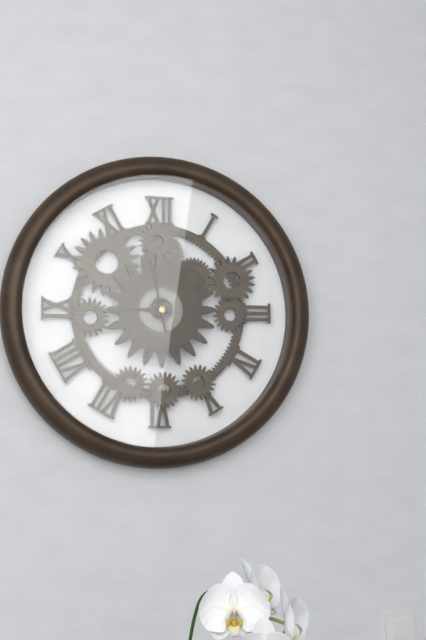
8.58
